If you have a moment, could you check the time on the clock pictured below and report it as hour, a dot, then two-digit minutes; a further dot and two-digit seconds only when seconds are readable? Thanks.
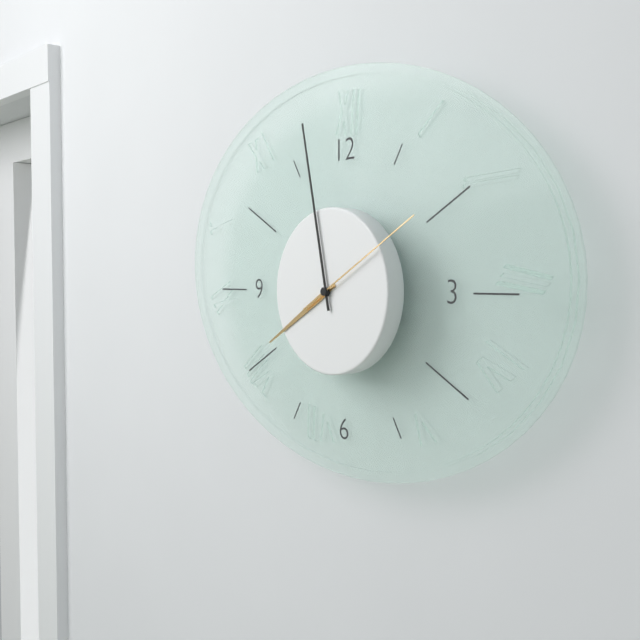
7.58.10
